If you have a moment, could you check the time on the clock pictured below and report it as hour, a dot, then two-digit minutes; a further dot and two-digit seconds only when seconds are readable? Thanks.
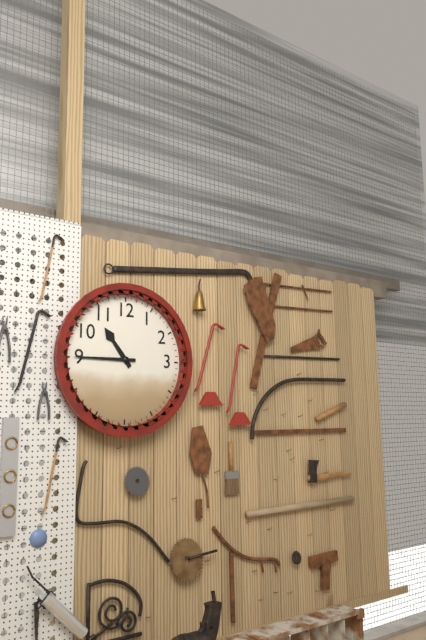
10.45
